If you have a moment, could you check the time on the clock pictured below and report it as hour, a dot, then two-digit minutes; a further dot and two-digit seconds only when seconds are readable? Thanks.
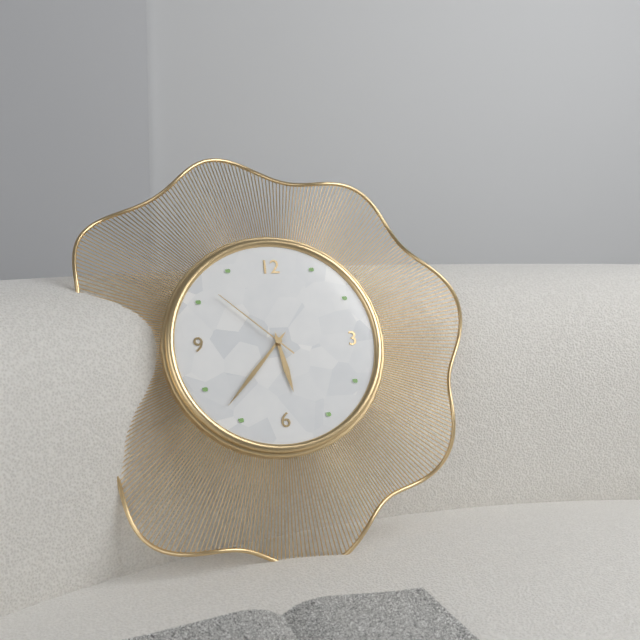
5.37.52
